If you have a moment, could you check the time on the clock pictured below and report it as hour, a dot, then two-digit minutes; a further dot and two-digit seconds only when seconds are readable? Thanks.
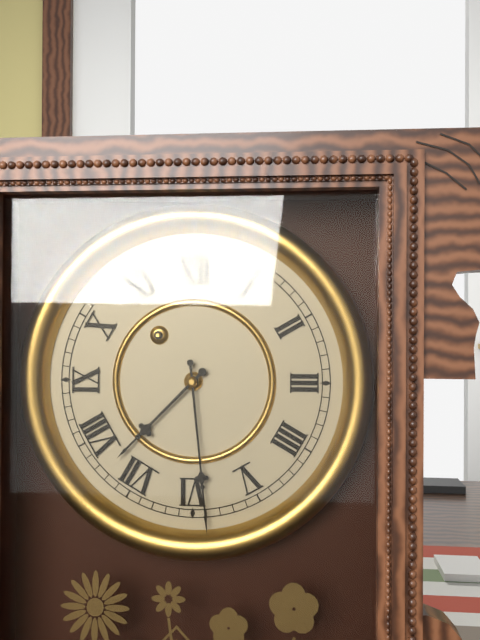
7.29
